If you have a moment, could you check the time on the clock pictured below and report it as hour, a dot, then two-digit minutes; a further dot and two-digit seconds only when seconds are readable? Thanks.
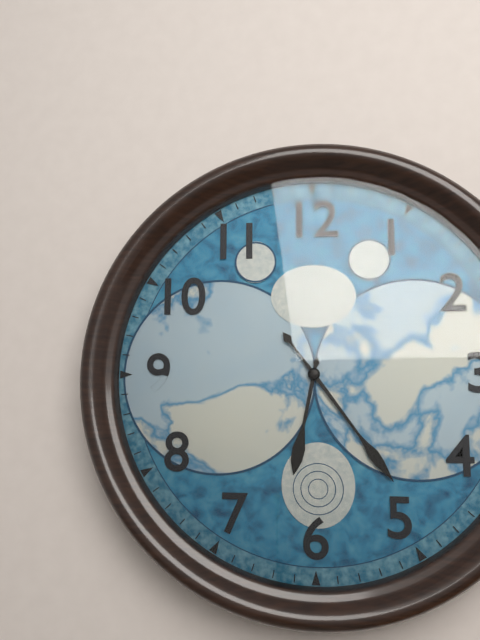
6.24
